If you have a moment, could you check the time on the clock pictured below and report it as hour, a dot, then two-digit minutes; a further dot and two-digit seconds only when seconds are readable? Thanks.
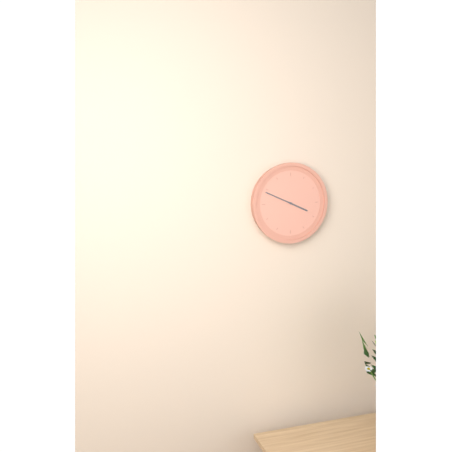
3.49
